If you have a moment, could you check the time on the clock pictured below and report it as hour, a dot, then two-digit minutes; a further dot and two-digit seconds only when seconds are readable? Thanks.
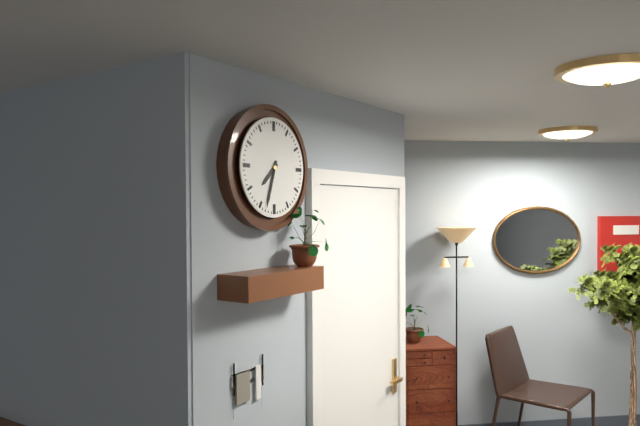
7.33
